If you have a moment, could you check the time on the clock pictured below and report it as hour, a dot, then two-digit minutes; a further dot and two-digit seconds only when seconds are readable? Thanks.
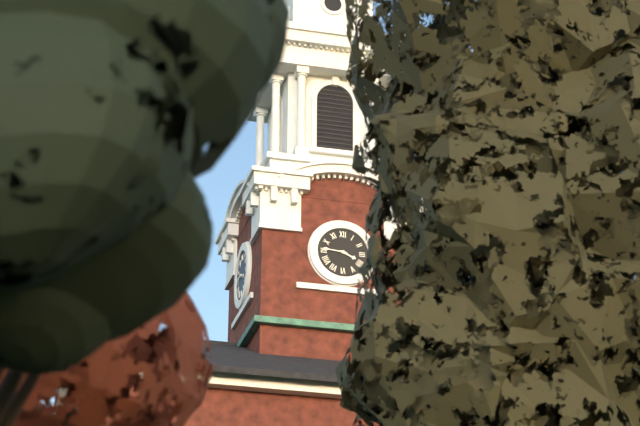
3.46
